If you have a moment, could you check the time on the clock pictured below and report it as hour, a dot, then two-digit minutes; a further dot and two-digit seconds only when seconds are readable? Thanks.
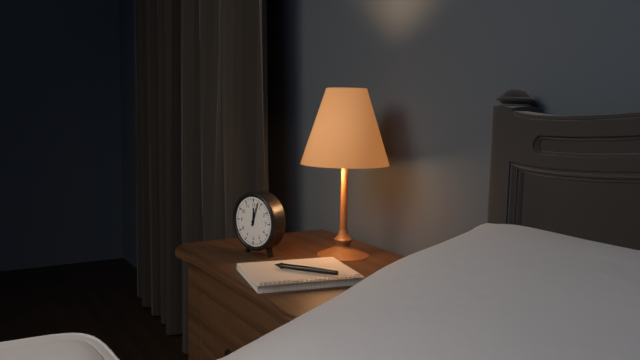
12.03
